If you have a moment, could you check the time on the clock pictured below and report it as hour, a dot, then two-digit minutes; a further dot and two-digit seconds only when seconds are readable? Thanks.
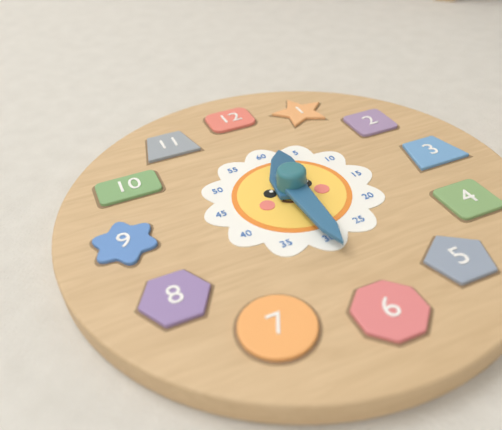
12.30
